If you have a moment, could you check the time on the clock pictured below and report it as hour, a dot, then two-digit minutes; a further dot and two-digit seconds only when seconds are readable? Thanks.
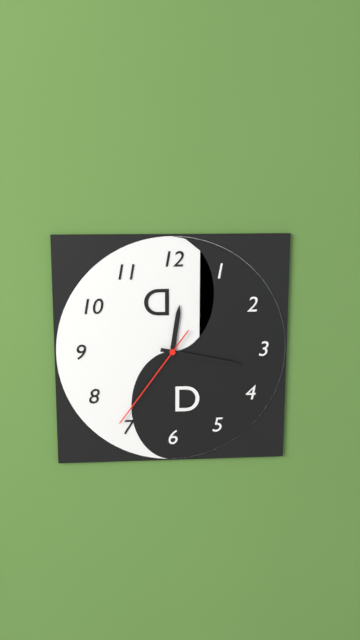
12.17.36
